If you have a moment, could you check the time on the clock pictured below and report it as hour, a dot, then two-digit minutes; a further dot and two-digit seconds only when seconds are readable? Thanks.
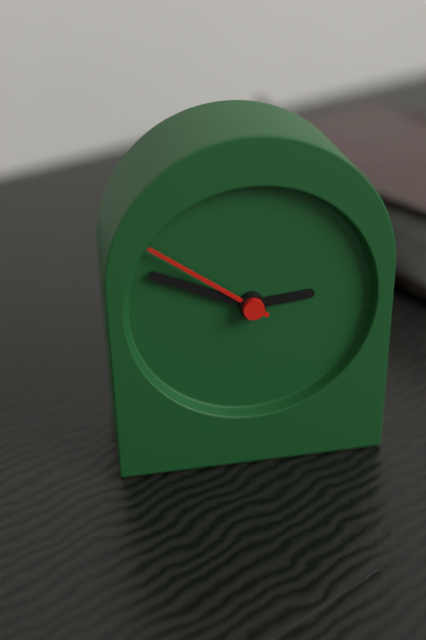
2.49.51
